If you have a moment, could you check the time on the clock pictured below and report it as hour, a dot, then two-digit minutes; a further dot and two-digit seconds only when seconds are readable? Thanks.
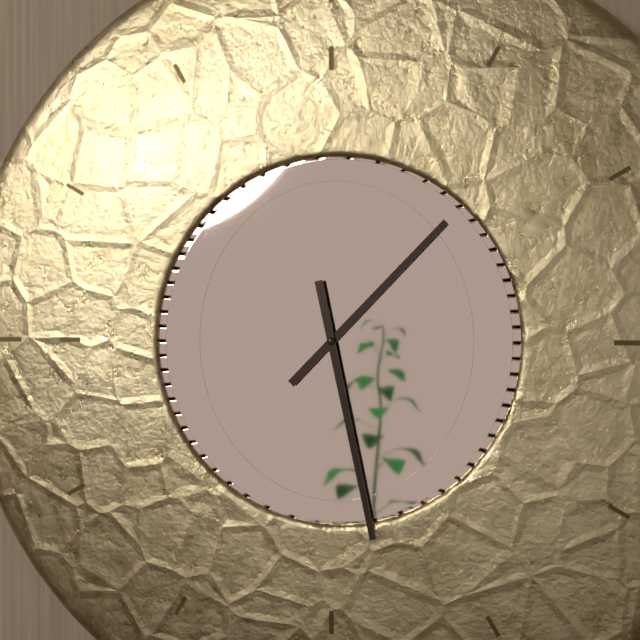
1.28
